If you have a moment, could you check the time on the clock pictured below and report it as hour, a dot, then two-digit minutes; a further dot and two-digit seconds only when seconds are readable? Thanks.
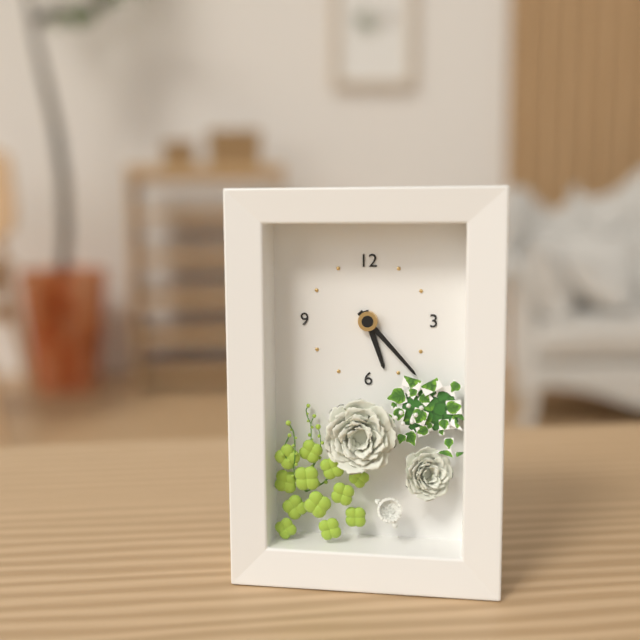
5.23
